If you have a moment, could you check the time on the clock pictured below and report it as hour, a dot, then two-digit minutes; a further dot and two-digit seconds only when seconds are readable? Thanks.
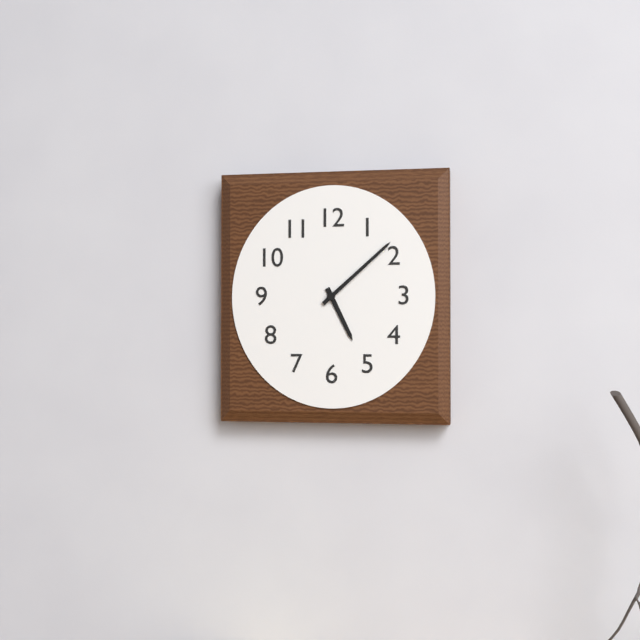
5.08
